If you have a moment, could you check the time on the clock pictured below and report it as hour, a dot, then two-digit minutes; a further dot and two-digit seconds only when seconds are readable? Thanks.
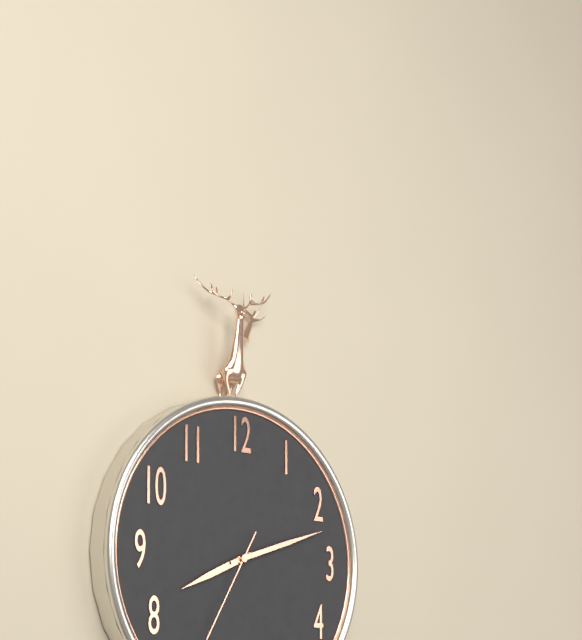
8.12
